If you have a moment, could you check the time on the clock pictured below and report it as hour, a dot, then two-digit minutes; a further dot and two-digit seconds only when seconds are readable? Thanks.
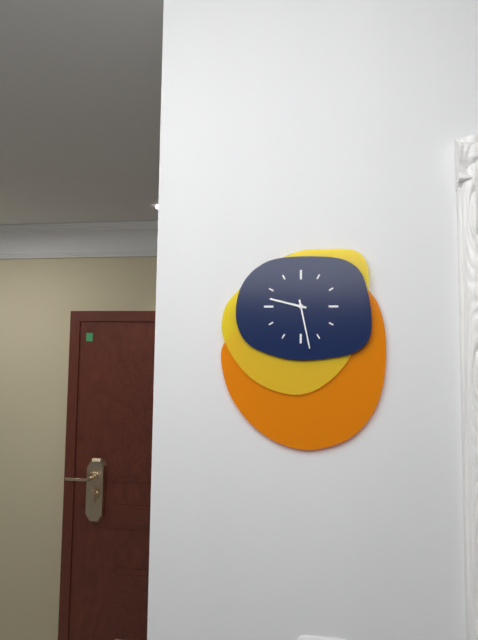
9.28
